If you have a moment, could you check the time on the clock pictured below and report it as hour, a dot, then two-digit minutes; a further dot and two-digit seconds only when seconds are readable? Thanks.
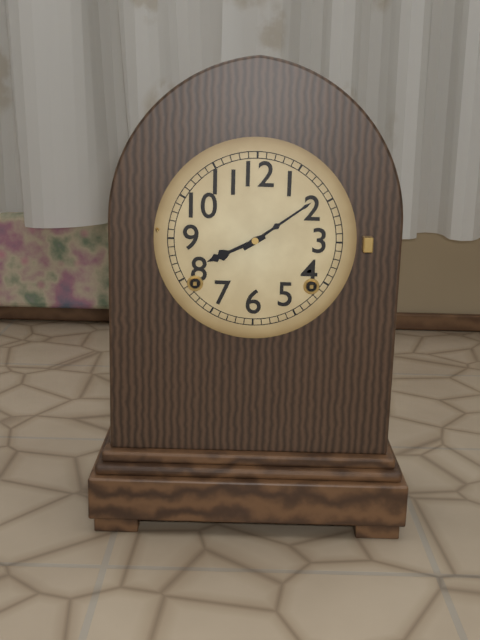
8.09
